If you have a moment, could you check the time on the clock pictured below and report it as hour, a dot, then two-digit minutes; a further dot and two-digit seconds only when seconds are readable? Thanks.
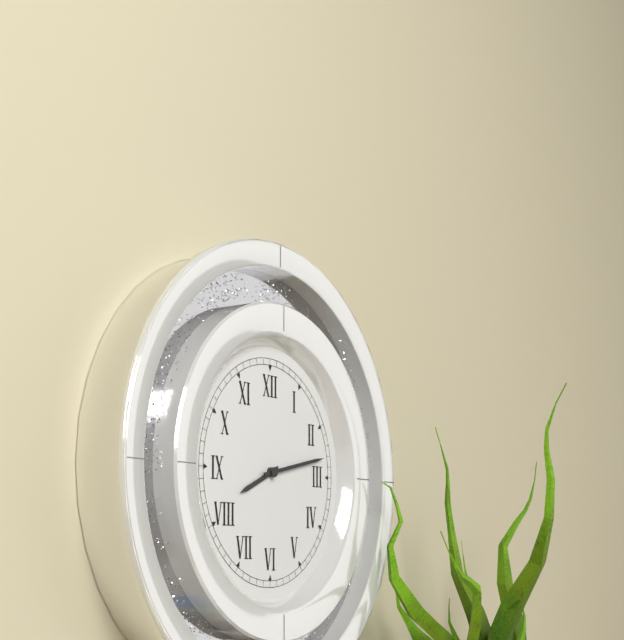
8.13
